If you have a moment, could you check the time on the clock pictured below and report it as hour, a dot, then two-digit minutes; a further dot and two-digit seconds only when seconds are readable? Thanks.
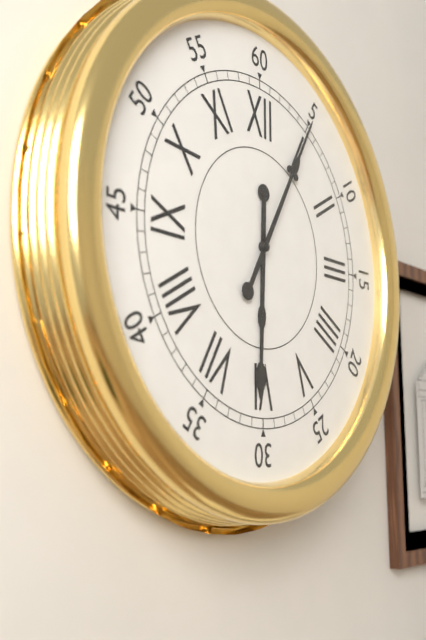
6.05
